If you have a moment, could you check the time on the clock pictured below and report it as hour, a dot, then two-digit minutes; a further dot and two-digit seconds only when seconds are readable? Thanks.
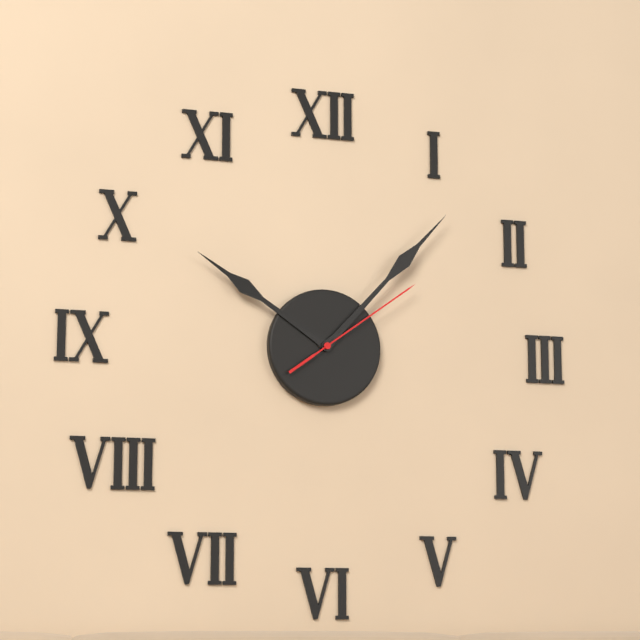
10.07.09
